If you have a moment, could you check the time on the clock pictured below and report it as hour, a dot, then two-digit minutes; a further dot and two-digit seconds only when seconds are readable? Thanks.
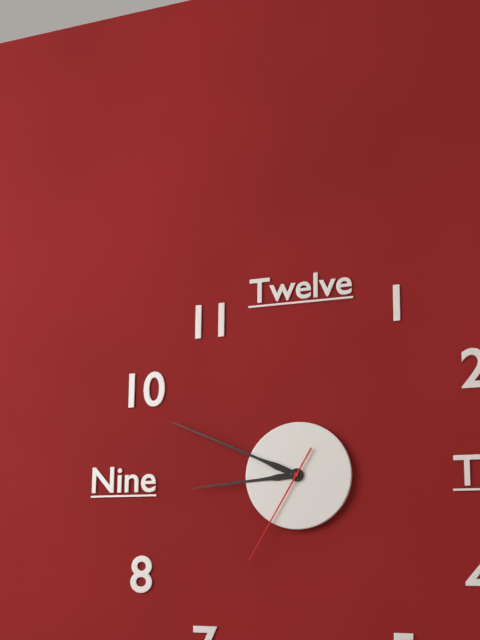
8.49.35
